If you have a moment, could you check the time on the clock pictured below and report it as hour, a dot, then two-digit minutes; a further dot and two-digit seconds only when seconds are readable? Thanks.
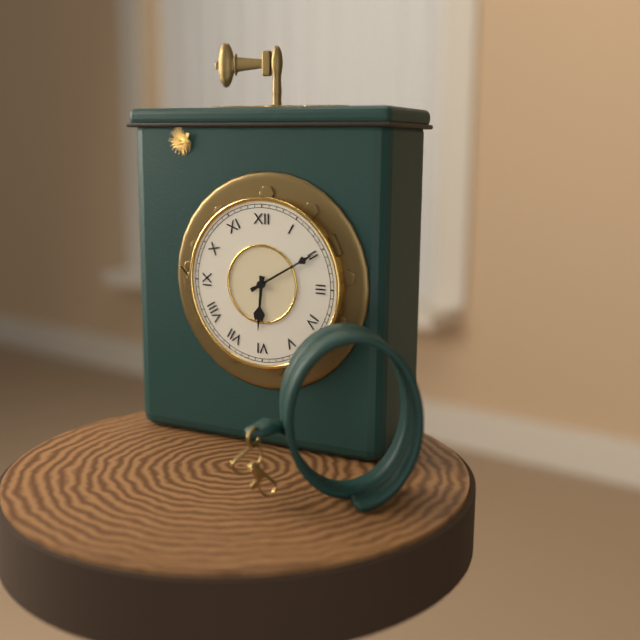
6.10
